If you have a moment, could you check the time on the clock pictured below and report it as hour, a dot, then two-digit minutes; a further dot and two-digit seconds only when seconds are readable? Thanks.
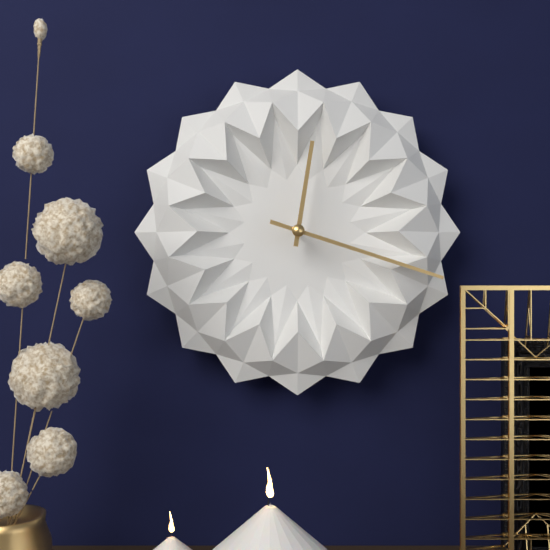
12.18
